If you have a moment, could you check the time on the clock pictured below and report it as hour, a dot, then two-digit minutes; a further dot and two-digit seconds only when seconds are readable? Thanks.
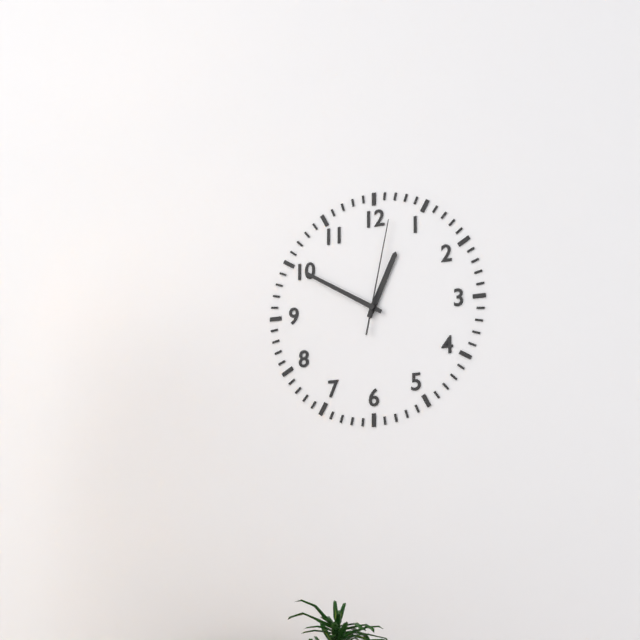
12.50.02
